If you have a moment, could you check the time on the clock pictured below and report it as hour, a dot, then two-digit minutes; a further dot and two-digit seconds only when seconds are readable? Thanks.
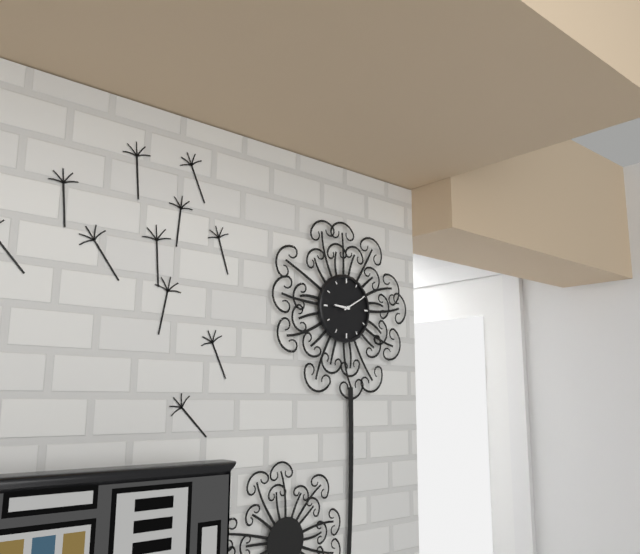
9.10
